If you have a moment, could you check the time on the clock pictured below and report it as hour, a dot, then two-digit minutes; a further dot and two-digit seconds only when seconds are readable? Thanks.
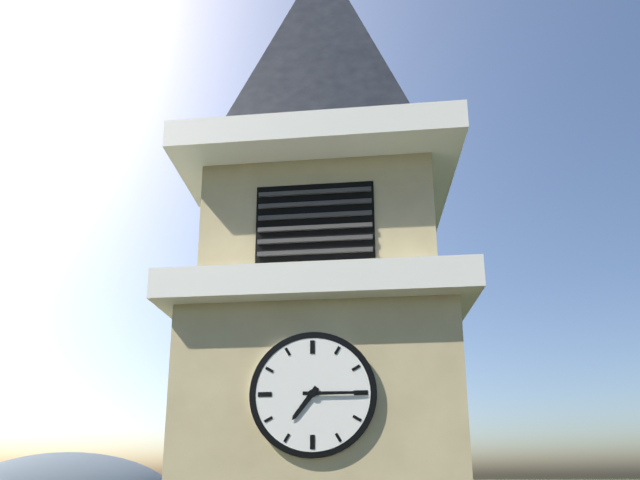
7.15
